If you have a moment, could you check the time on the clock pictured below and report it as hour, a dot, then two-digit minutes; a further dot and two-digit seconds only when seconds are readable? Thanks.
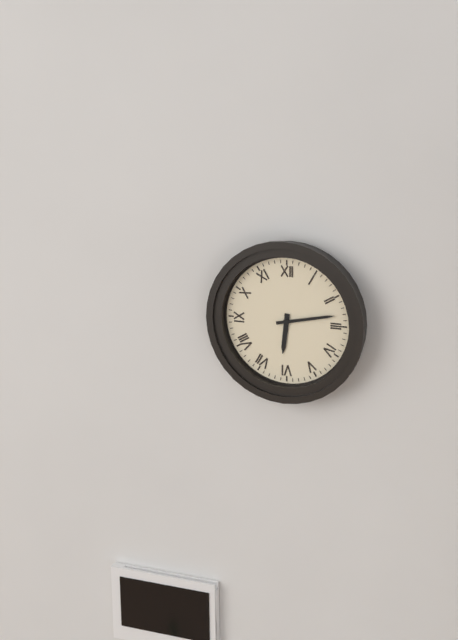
6.13
